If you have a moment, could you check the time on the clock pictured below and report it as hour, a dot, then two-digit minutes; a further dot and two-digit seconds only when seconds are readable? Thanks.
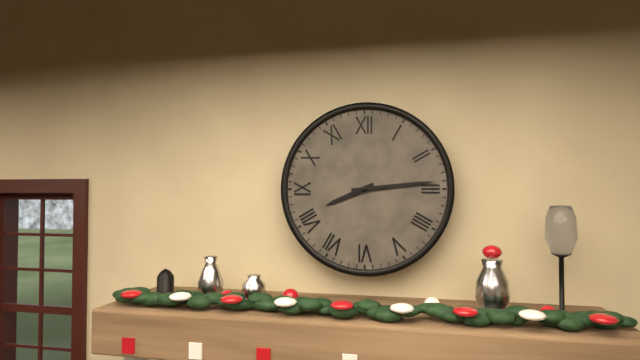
8.14
